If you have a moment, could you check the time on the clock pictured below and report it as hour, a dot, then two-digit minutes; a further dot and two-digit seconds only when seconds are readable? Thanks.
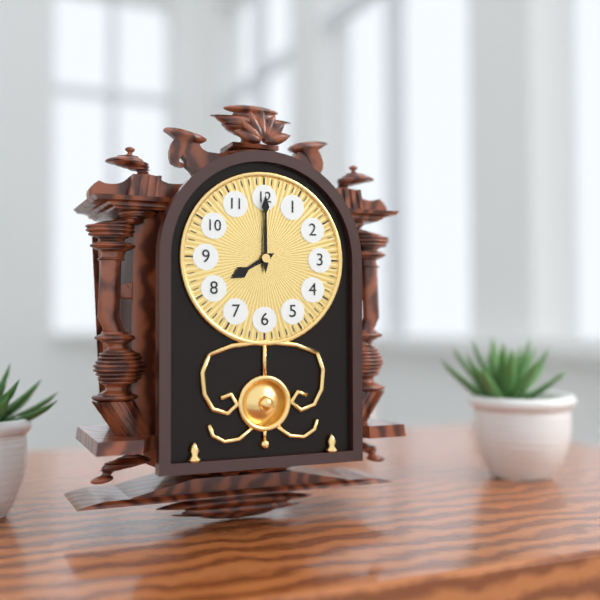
8.00
